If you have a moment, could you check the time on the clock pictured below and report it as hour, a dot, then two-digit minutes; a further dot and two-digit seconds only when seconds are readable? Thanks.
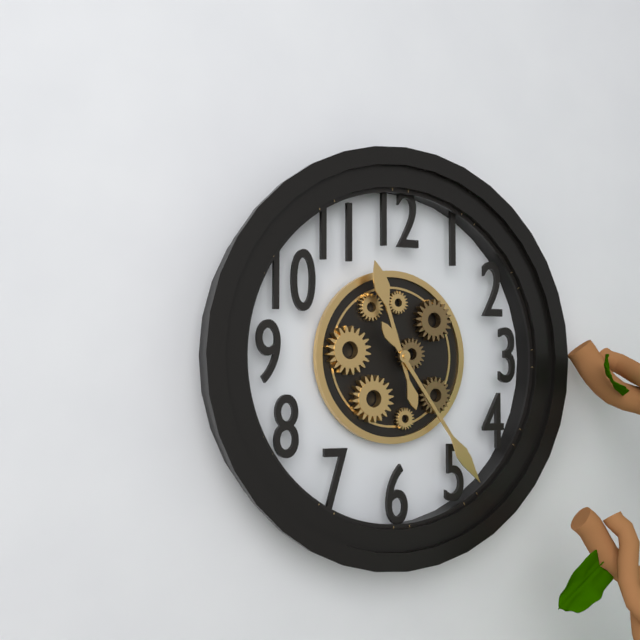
11.24
